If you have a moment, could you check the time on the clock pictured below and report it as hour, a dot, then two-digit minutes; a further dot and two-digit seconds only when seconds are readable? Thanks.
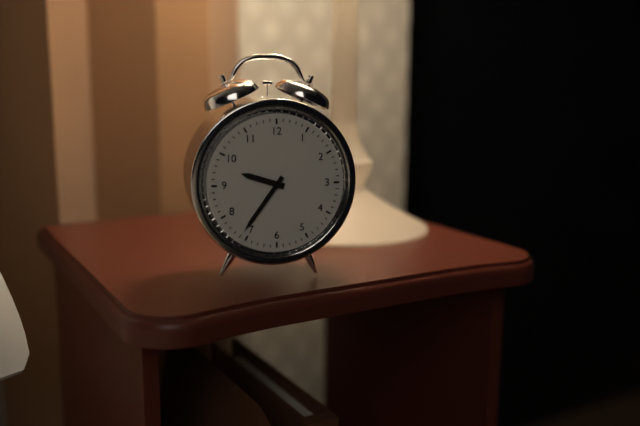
9.36
